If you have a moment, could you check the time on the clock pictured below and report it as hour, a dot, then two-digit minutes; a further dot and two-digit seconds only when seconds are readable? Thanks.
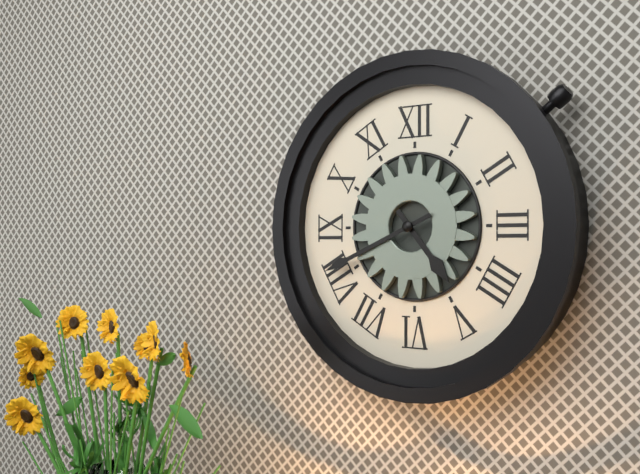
4.41
